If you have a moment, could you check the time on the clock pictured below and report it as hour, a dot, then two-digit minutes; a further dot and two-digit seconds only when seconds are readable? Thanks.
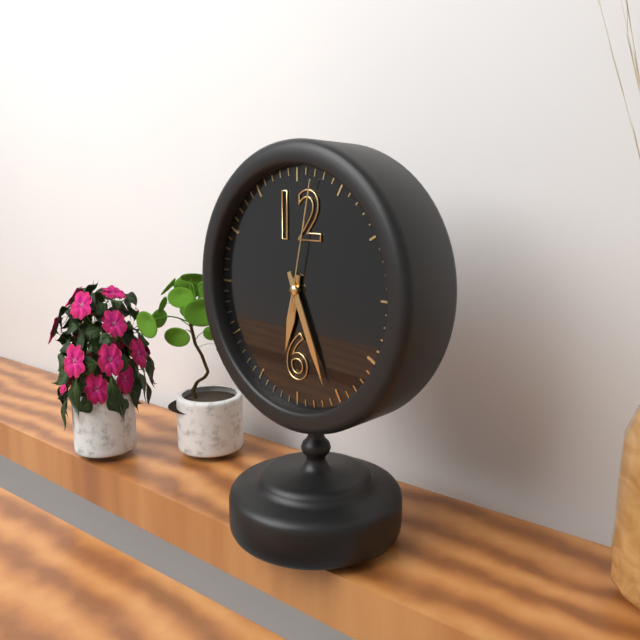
6.26.02
